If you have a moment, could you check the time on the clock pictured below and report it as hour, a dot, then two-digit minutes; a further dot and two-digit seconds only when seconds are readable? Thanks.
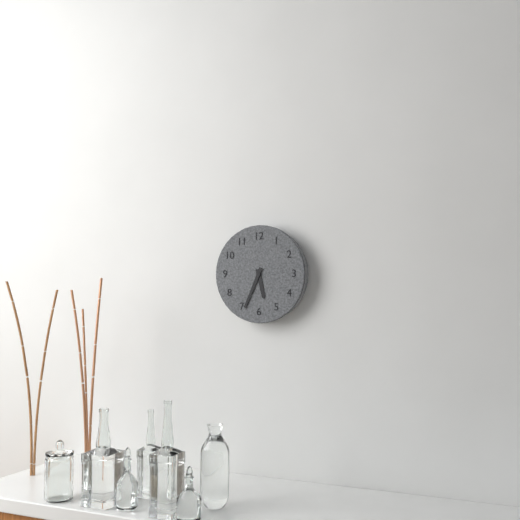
5.34
